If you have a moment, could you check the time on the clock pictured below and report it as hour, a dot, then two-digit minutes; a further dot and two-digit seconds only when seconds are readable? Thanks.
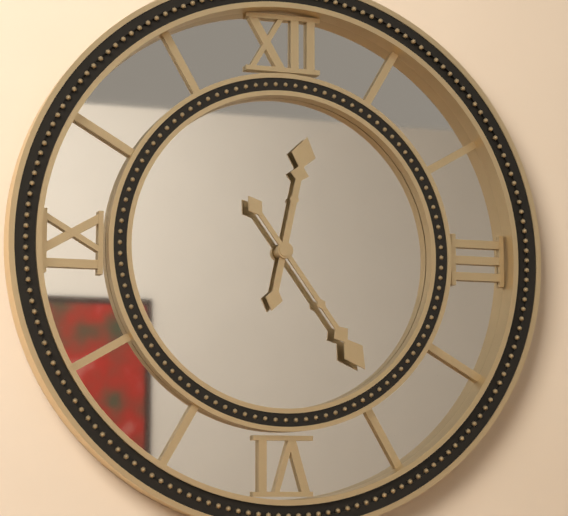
12.24
